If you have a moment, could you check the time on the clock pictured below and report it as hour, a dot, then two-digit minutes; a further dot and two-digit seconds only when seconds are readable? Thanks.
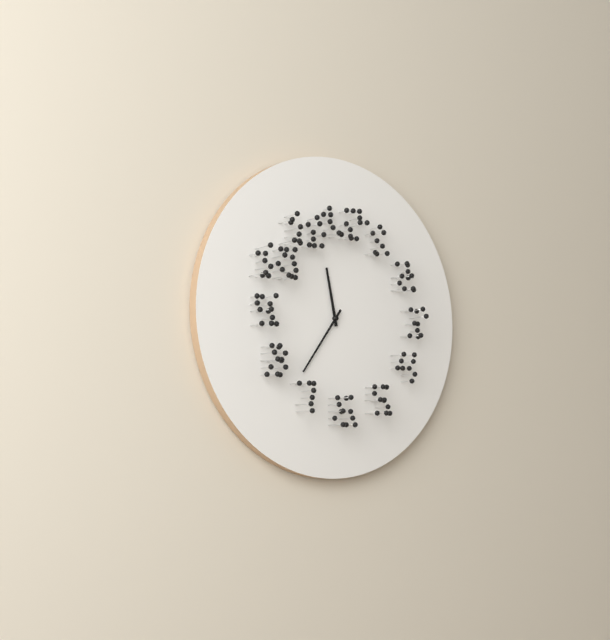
11.36
